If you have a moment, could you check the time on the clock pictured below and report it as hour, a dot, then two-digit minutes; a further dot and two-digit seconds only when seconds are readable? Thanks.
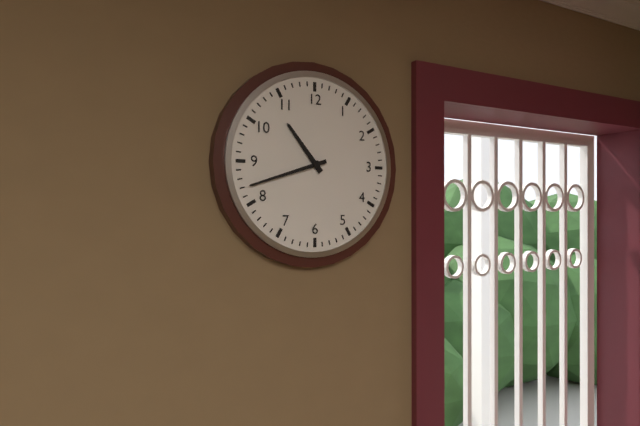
10.42
